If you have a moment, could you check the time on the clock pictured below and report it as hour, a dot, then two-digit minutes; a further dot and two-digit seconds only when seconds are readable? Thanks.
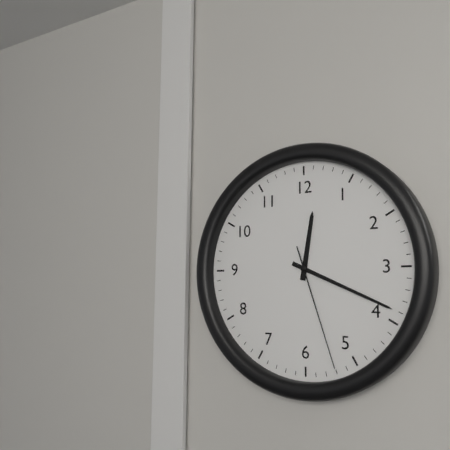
12.19.27
